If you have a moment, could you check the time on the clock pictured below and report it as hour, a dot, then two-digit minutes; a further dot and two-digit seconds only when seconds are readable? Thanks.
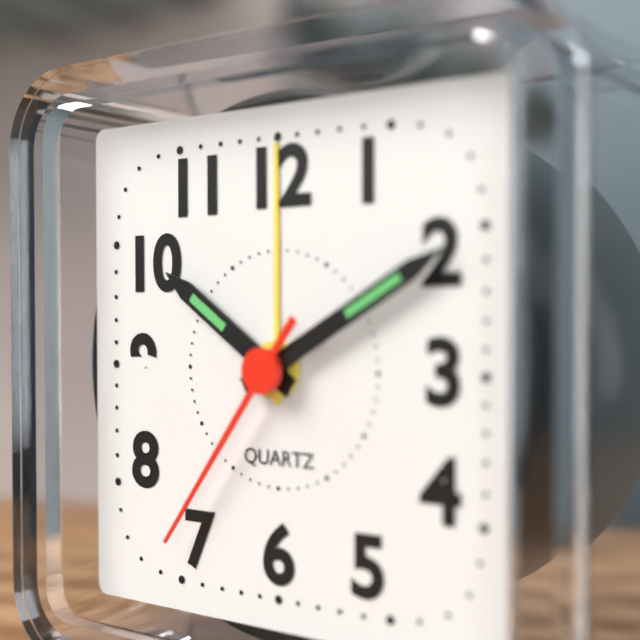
10.10.36
